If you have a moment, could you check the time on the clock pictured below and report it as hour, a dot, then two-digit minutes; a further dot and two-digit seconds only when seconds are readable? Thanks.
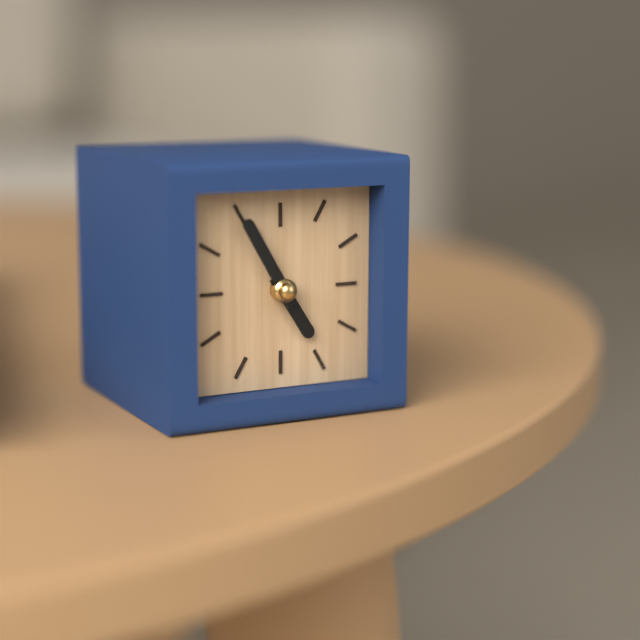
4.55
